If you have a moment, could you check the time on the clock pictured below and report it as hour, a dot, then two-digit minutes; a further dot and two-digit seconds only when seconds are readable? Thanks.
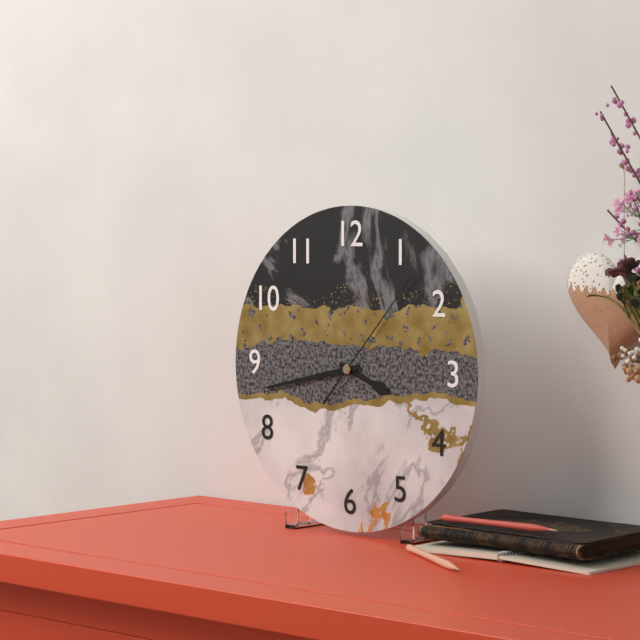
3.43.07
